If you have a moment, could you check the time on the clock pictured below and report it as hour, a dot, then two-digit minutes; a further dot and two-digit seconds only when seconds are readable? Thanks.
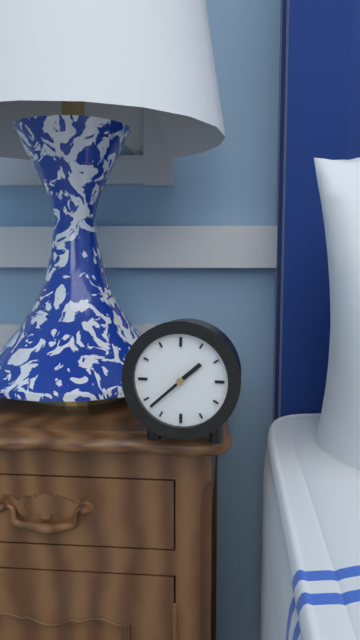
1.38
